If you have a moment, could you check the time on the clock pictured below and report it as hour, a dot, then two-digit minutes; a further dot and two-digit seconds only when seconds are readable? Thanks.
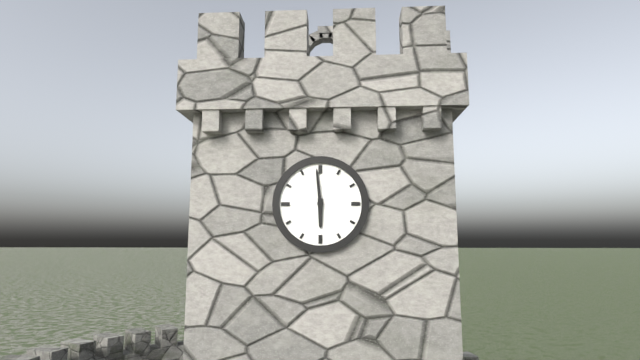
5.59
